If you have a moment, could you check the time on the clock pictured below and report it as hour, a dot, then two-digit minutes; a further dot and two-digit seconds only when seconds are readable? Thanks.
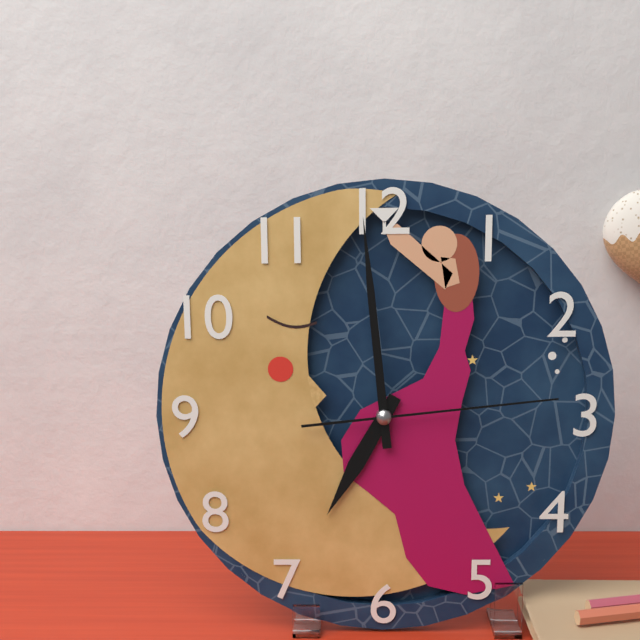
6.59.14
